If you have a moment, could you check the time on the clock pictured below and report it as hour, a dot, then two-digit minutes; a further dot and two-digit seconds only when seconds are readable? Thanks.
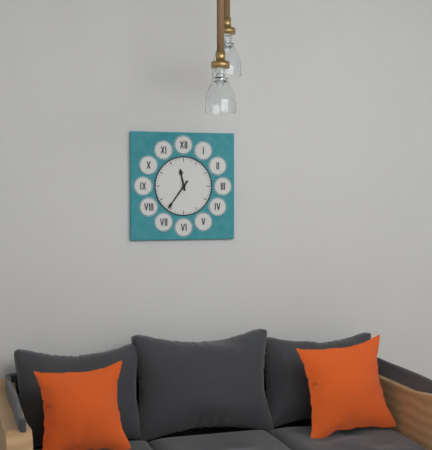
11.36
